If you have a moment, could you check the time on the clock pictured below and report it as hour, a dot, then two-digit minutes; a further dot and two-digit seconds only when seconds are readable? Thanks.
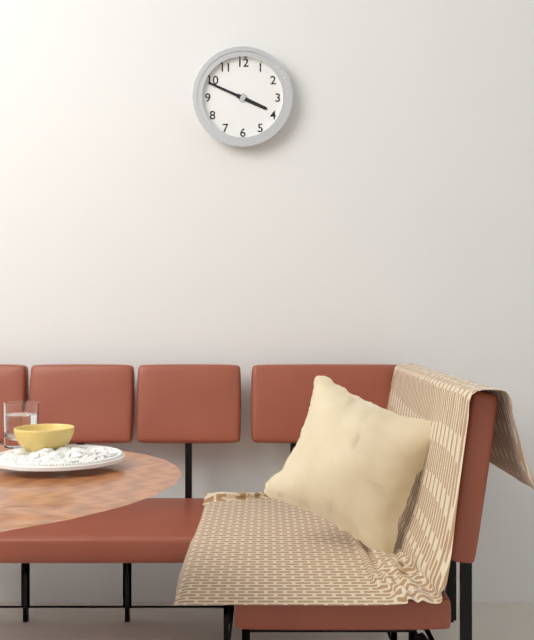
3.49
